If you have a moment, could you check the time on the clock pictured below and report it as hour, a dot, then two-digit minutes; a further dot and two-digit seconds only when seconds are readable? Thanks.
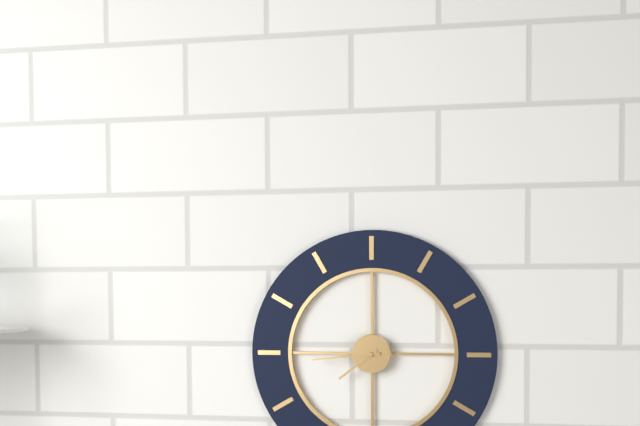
7.44
